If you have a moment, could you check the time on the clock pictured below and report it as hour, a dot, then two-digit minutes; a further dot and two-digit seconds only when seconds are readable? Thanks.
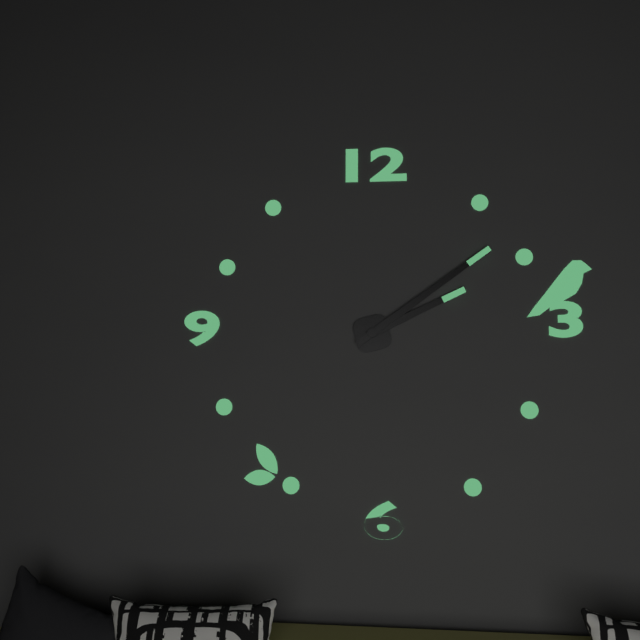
2.09
